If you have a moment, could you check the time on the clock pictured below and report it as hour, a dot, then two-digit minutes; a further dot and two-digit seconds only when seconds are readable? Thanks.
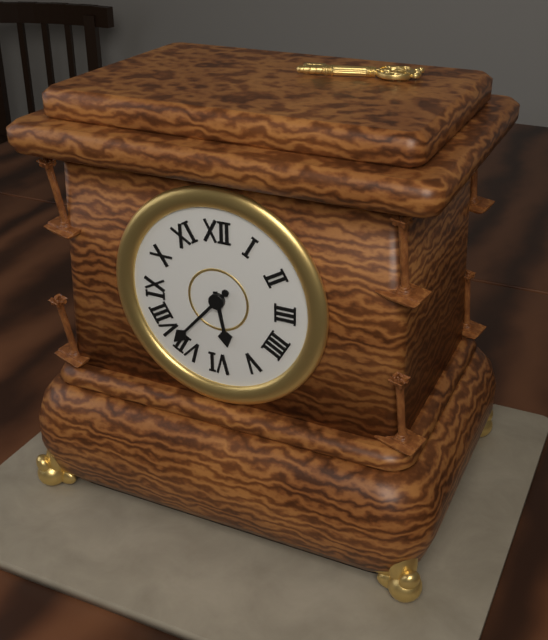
5.37
